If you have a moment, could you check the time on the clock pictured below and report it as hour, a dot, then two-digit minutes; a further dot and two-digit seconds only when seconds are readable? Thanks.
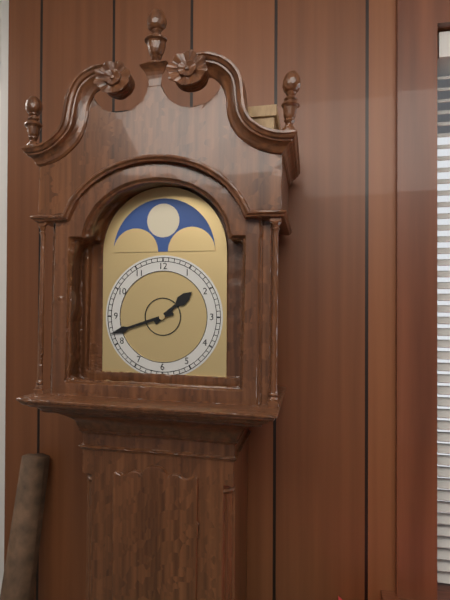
1.42
